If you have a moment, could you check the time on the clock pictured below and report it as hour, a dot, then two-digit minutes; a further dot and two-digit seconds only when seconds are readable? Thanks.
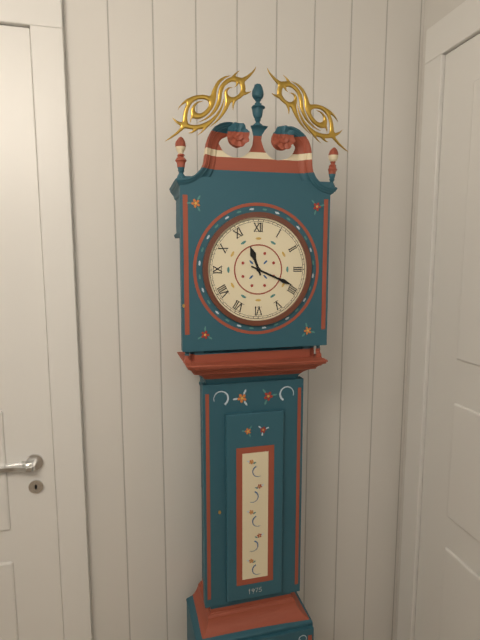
11.19
